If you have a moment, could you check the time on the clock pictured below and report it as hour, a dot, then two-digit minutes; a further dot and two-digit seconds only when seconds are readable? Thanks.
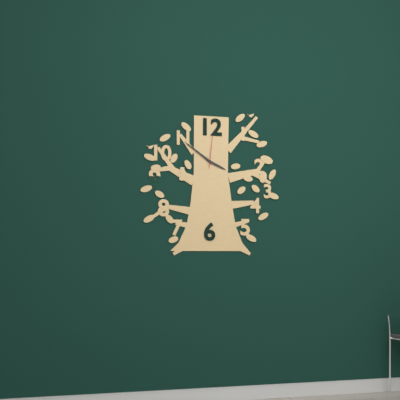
3.51
